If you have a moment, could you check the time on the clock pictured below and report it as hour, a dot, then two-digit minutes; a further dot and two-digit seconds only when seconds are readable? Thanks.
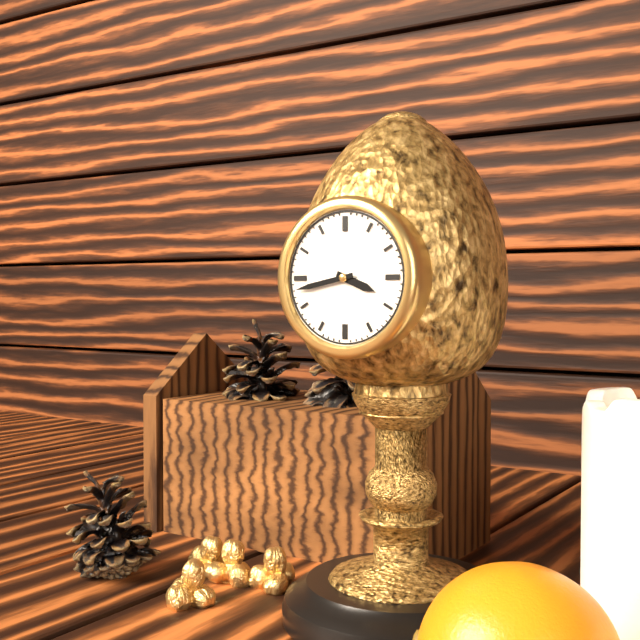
3.43
